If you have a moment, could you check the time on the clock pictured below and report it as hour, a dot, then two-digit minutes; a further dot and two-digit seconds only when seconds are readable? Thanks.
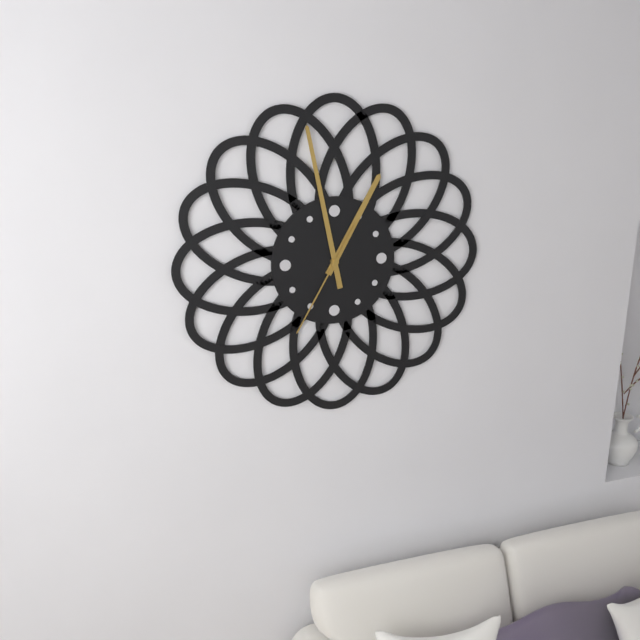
12.58.35
